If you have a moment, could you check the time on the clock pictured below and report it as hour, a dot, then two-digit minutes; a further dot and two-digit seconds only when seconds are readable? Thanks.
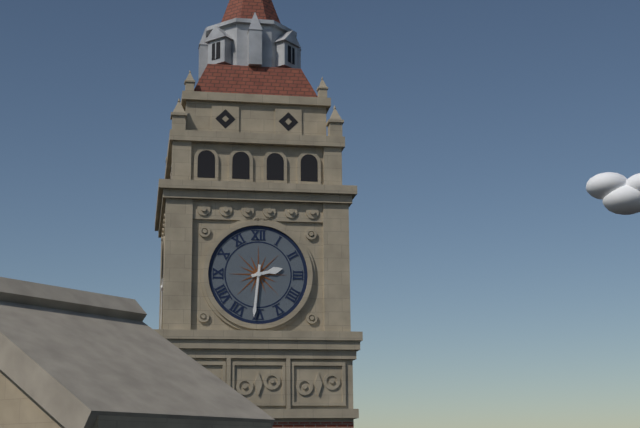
2.31
